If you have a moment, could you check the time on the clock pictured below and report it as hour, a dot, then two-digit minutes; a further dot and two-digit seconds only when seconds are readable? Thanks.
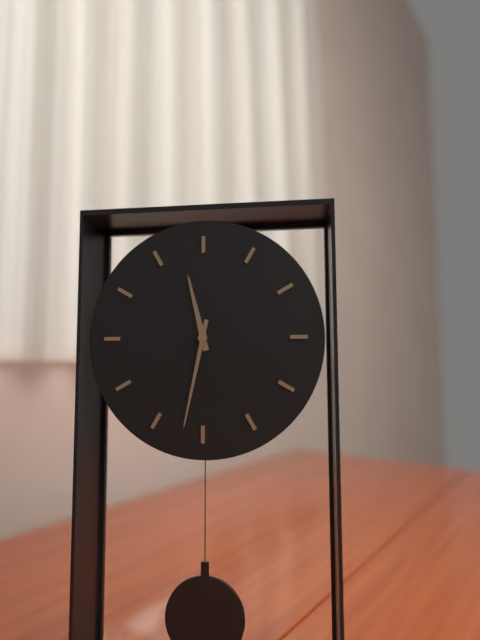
11.32
